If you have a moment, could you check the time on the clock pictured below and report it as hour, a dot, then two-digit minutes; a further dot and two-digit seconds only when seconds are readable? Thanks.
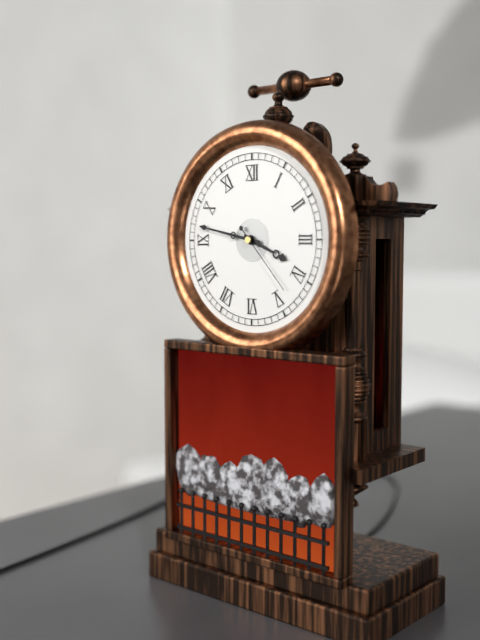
3.47.23
